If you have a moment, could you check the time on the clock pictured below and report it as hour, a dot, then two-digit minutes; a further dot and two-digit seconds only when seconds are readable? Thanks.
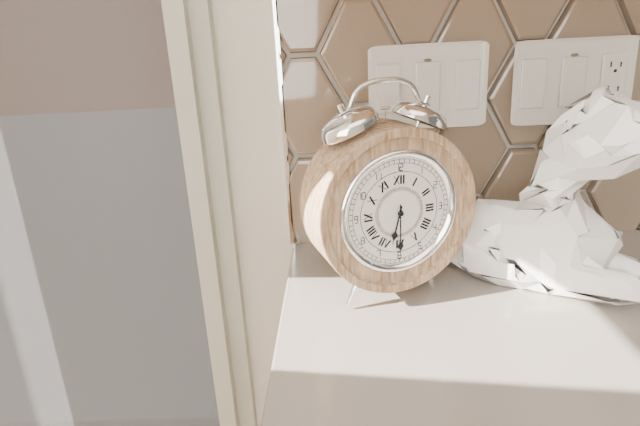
6.30
